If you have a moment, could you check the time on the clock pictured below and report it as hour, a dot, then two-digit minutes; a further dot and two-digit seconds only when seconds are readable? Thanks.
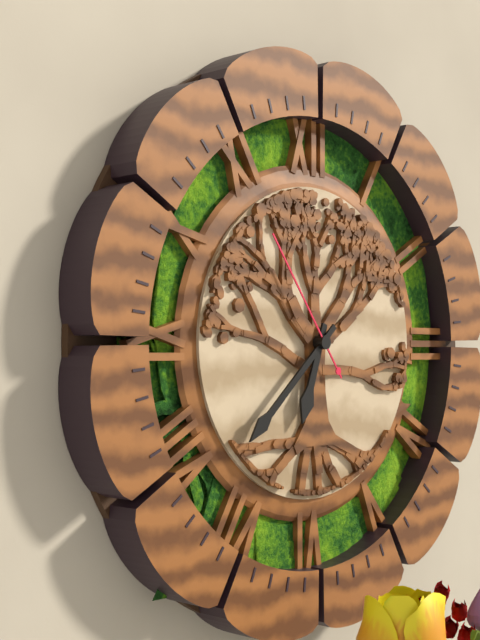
6.38.54
